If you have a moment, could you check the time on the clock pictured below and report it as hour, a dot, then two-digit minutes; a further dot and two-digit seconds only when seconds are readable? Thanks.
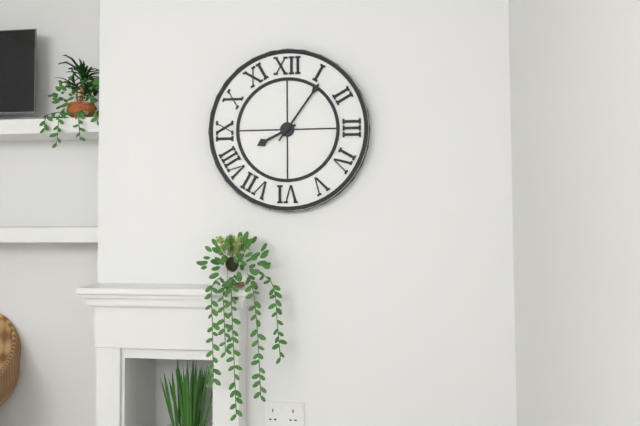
8.06
